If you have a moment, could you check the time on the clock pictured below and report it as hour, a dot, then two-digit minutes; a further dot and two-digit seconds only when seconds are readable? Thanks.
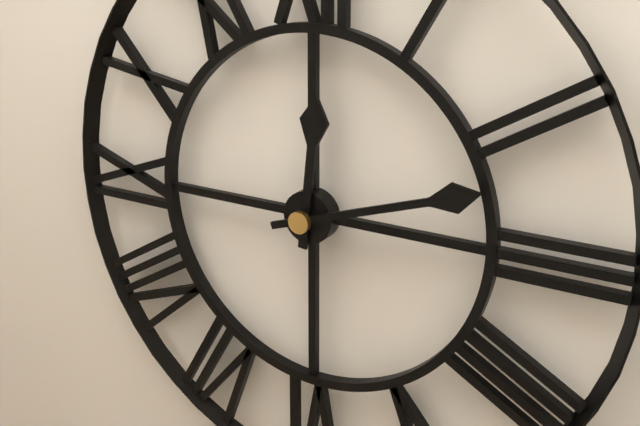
12.12
